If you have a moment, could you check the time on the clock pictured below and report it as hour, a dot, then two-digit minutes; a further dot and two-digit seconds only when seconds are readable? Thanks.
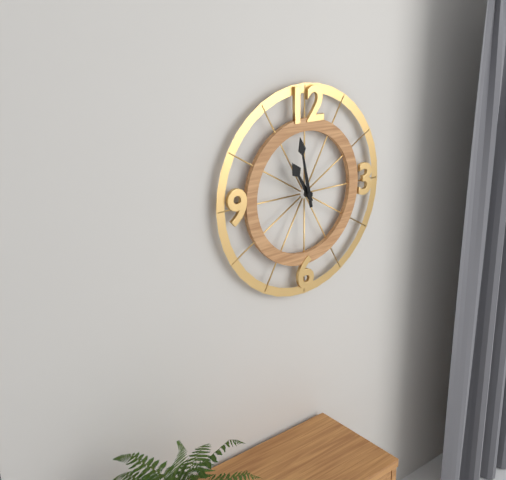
10.58
